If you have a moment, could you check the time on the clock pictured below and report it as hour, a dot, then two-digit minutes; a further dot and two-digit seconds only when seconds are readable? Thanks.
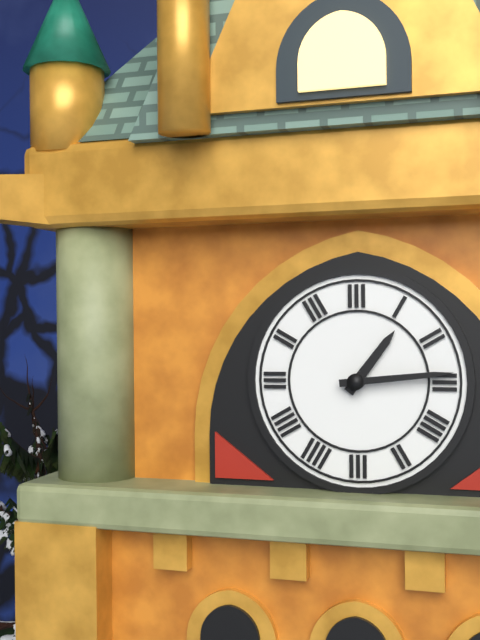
1.14
